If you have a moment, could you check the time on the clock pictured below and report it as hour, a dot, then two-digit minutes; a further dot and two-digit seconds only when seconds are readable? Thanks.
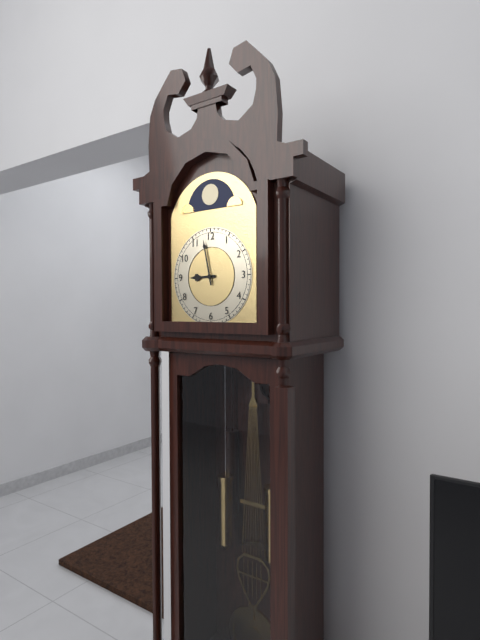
8.58
